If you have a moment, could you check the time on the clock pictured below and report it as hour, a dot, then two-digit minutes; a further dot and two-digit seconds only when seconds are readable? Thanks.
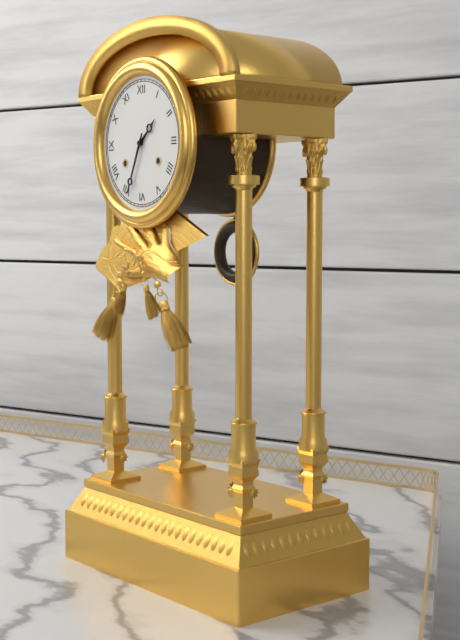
1.34
